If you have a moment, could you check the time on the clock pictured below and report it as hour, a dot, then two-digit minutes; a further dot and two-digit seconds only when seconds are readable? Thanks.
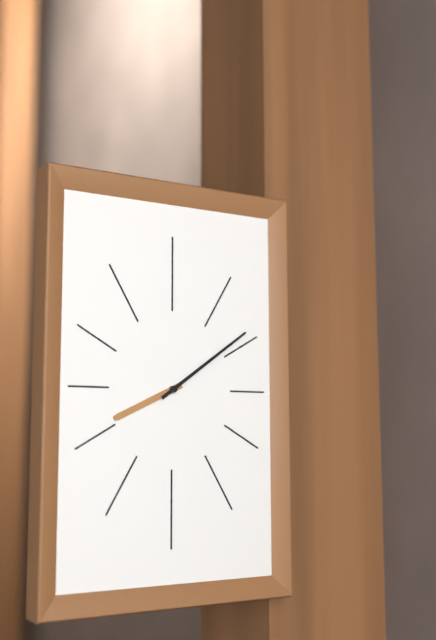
8.09
